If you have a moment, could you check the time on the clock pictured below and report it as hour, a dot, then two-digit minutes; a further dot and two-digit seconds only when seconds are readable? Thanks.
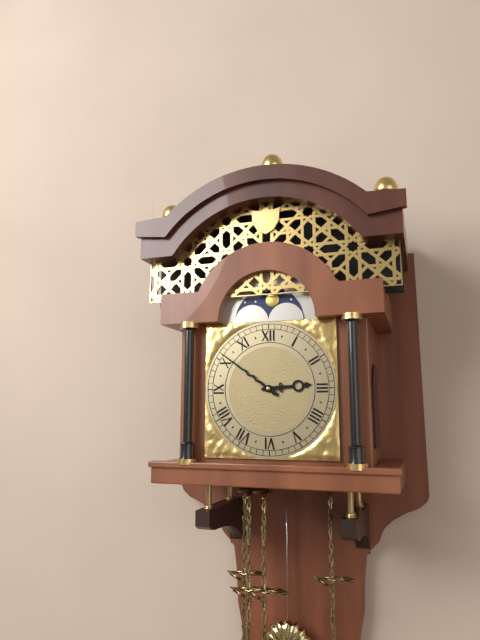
2.51
